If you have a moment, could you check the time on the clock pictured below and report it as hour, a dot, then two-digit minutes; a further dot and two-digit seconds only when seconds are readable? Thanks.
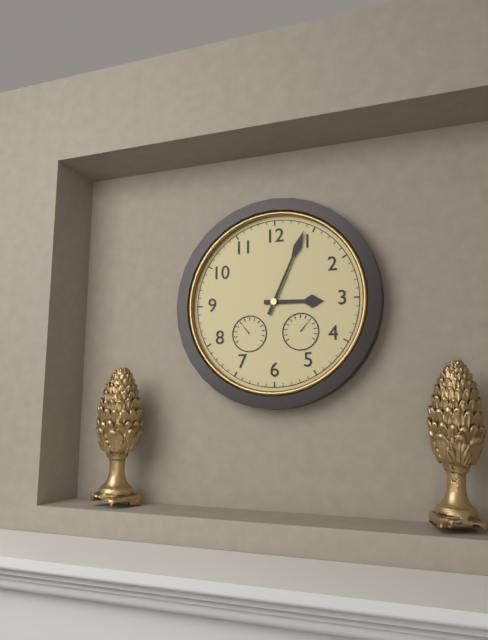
3.04
